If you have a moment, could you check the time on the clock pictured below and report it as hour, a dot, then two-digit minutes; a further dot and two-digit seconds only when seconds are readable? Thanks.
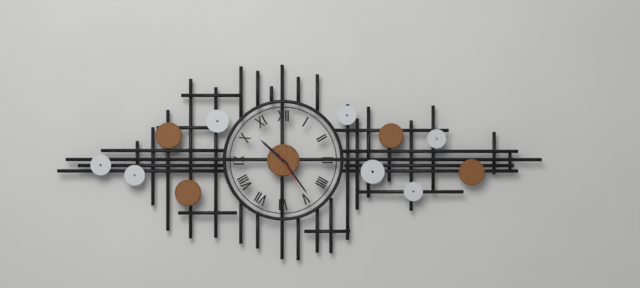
10.24
